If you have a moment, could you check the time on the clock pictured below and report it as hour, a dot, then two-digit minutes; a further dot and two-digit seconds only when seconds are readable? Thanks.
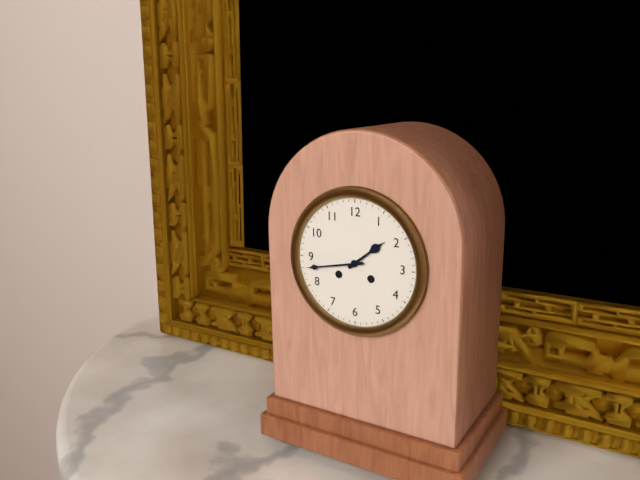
1.43
